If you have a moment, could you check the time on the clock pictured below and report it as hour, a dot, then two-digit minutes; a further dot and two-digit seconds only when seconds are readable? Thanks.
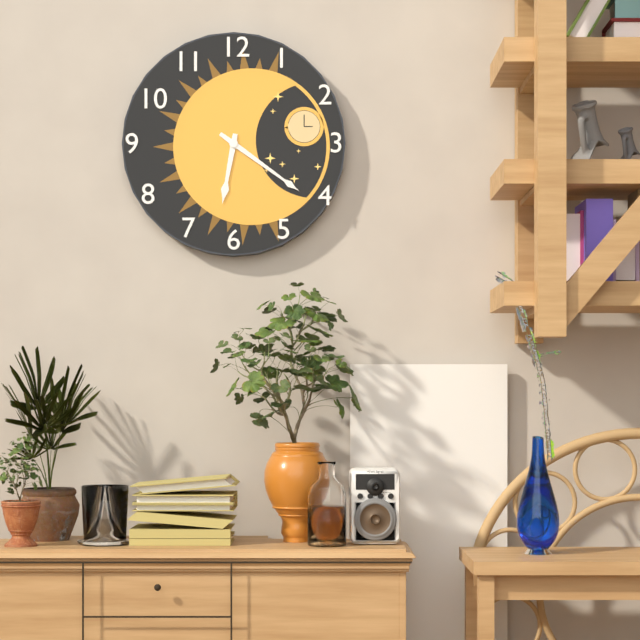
6.21
